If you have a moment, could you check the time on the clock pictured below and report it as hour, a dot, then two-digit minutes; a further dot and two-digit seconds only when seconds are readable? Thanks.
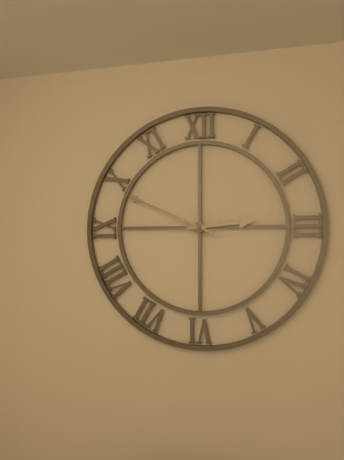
2.49
